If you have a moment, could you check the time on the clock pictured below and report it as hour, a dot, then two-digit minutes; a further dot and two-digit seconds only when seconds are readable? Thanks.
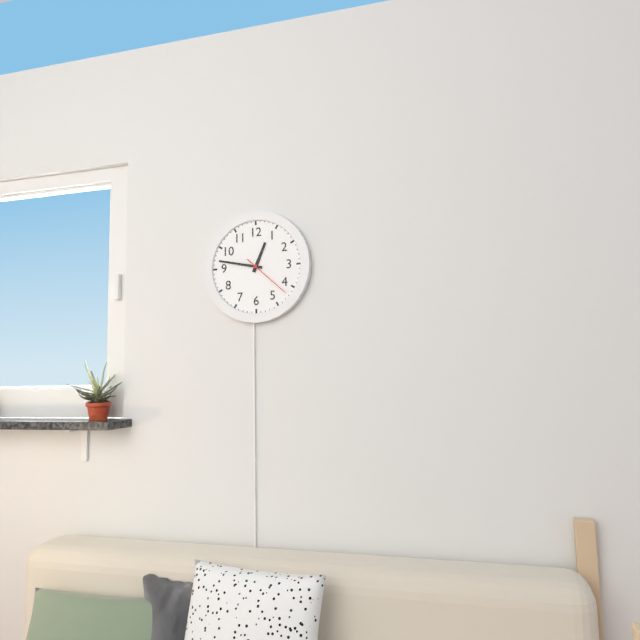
12.47.22
